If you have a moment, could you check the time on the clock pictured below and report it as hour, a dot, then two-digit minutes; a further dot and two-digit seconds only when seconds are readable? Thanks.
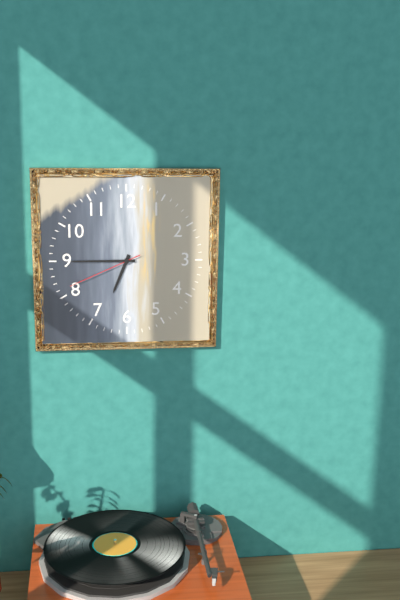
6.45.41
